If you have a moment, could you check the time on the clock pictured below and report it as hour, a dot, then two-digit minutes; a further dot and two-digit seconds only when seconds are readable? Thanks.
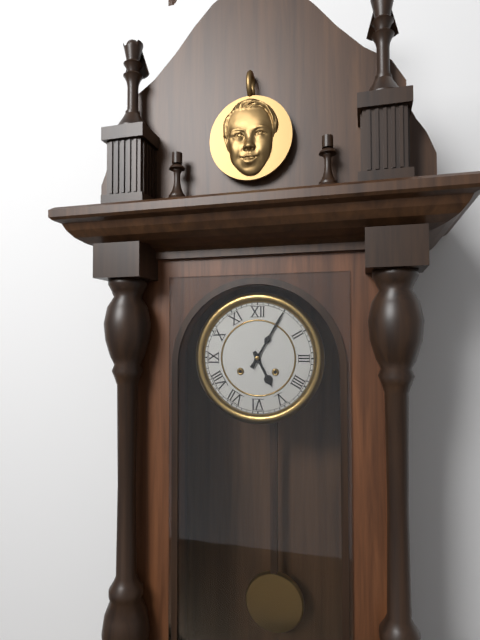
5.05
